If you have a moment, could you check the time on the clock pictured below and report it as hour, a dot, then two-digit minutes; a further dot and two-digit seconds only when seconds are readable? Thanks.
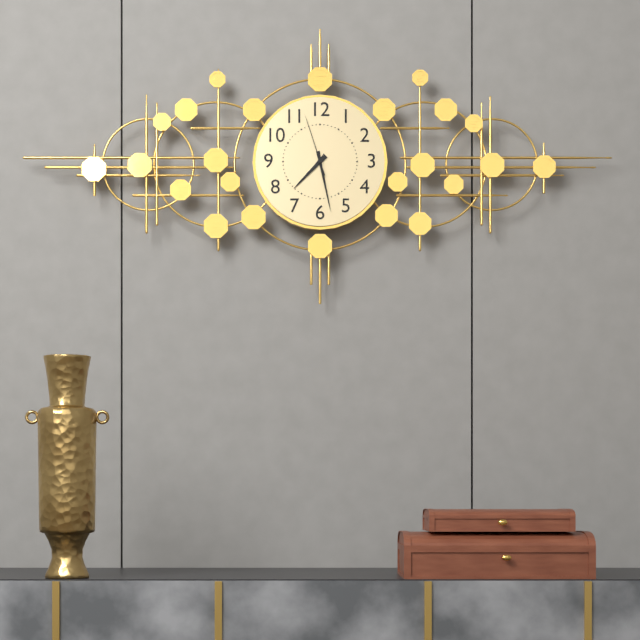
7.28.57
